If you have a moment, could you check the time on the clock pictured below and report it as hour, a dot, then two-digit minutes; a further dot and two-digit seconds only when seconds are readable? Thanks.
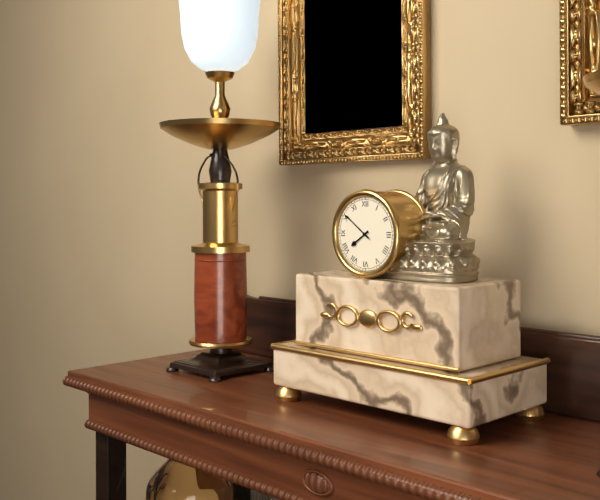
7.51
